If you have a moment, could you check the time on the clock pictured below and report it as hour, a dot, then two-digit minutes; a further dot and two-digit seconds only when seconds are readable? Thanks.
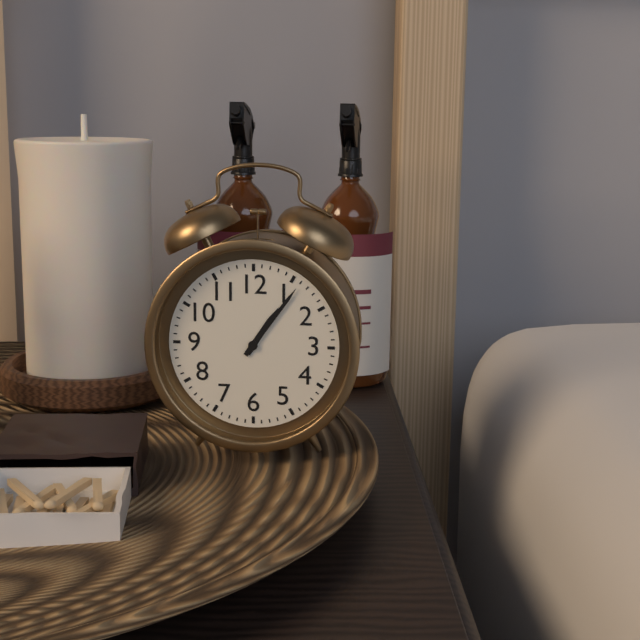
1.06
